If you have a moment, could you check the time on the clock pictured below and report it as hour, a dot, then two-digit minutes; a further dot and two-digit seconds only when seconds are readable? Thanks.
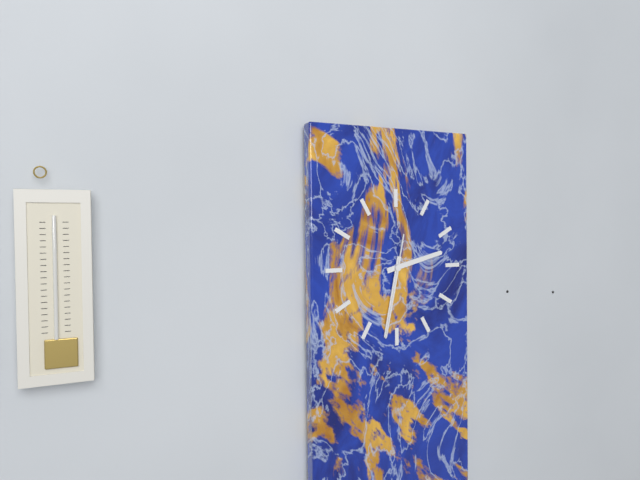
2.32.32
